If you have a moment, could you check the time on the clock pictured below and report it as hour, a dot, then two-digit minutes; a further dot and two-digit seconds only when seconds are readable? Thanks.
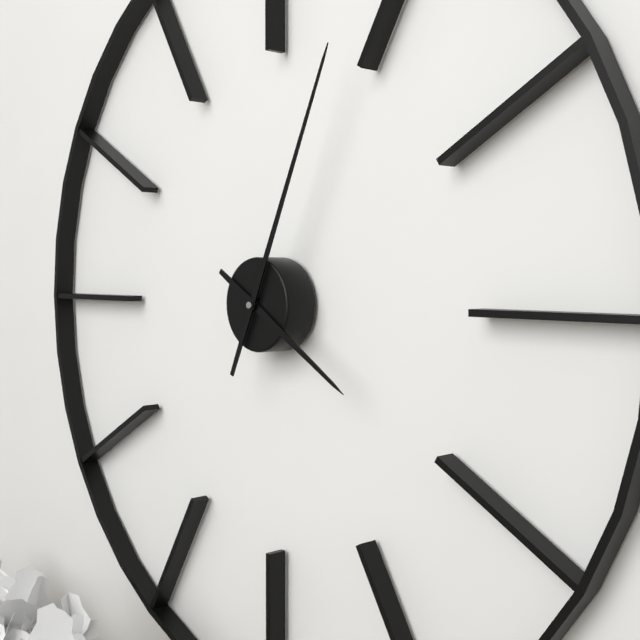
4.04
